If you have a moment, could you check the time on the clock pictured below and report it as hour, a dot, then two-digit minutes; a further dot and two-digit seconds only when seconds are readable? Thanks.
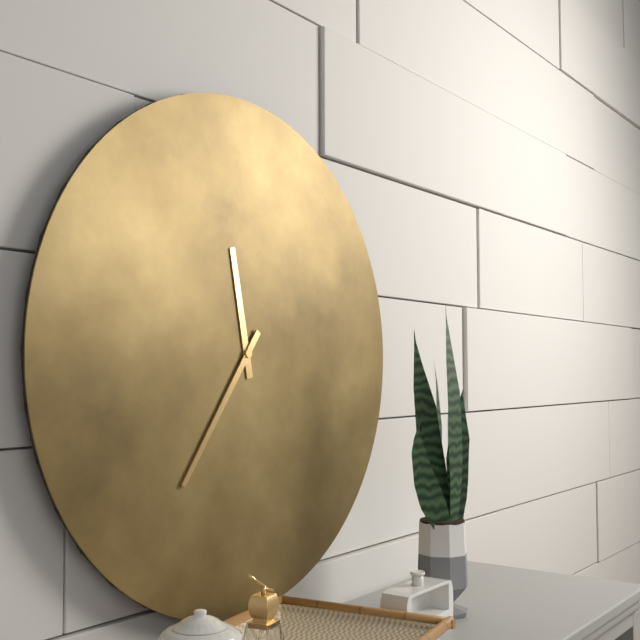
11.36
